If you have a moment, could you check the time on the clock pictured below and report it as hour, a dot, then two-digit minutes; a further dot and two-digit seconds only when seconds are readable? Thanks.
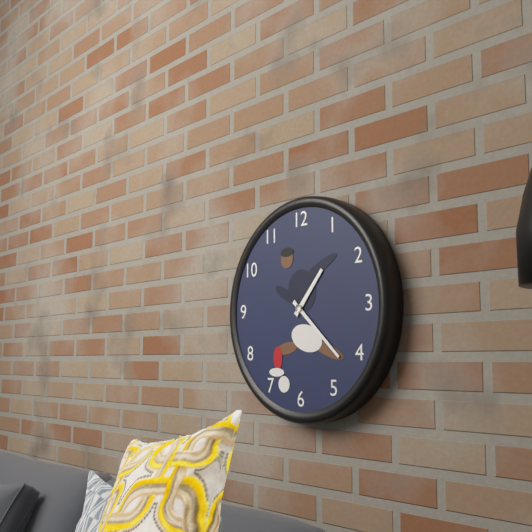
1.22
